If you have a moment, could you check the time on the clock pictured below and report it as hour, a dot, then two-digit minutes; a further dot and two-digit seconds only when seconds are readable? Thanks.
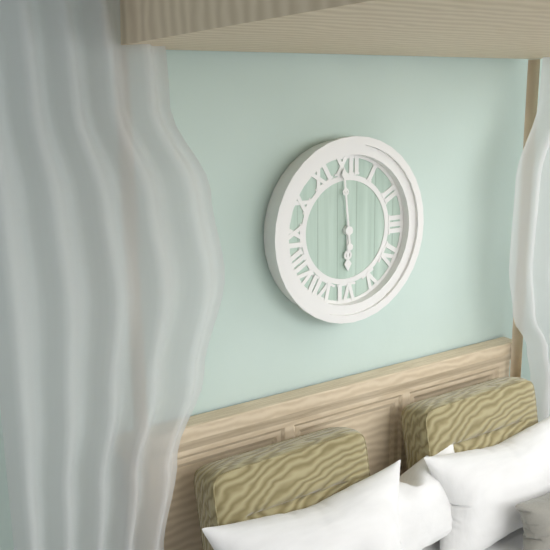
5.59
